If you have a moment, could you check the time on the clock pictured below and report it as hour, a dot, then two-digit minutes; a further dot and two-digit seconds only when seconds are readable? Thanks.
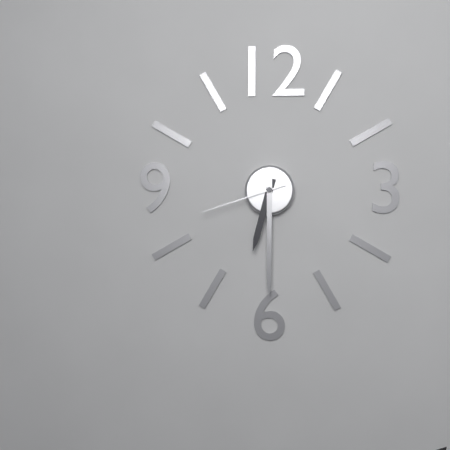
6.30.42
